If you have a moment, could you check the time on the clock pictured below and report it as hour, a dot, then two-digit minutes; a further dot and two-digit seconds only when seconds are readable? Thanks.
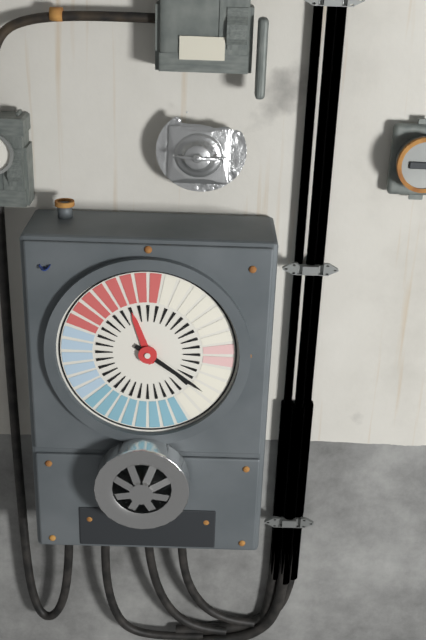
11.21
